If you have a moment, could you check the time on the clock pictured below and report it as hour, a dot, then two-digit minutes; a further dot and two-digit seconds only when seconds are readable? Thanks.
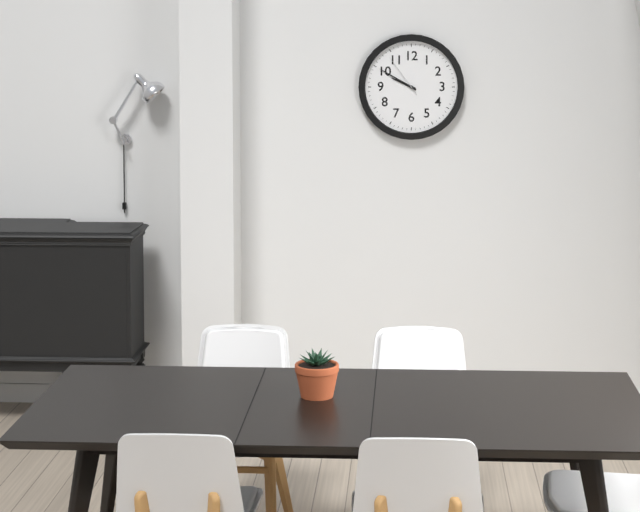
9.50
